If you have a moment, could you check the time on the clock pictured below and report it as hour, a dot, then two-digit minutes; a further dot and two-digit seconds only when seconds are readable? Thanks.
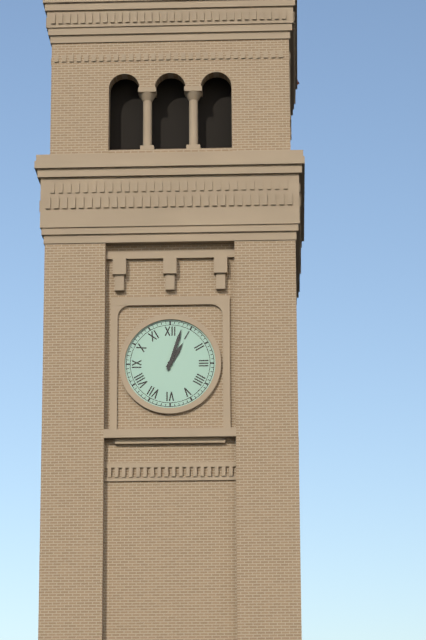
1.03
